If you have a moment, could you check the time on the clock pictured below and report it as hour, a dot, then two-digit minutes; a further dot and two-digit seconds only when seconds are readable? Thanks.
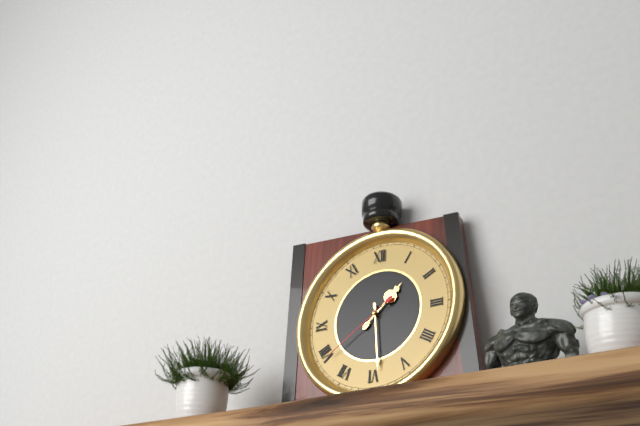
1.29.39
